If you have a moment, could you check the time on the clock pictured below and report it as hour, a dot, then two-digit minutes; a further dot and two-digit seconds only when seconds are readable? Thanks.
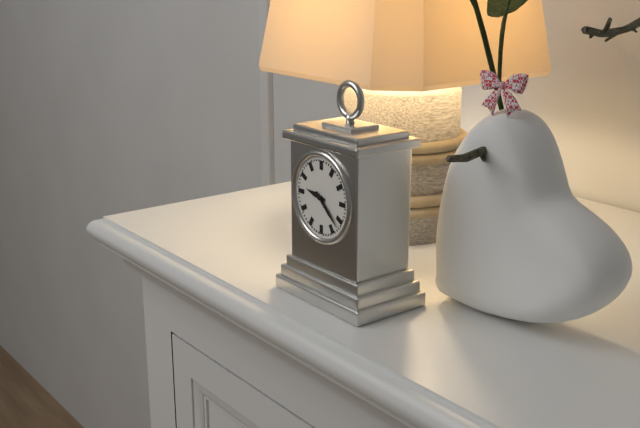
9.22
